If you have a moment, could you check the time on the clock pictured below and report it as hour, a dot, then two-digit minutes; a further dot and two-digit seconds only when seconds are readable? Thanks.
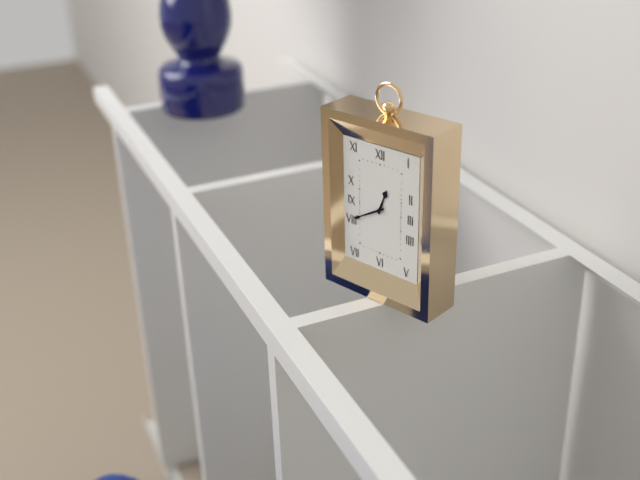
12.40
